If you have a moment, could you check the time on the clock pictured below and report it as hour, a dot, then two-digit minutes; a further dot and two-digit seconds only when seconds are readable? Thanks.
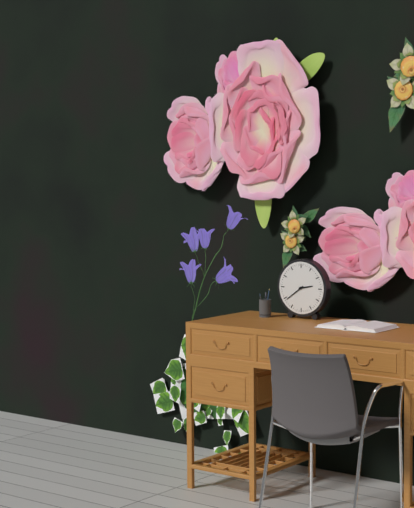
2.39
